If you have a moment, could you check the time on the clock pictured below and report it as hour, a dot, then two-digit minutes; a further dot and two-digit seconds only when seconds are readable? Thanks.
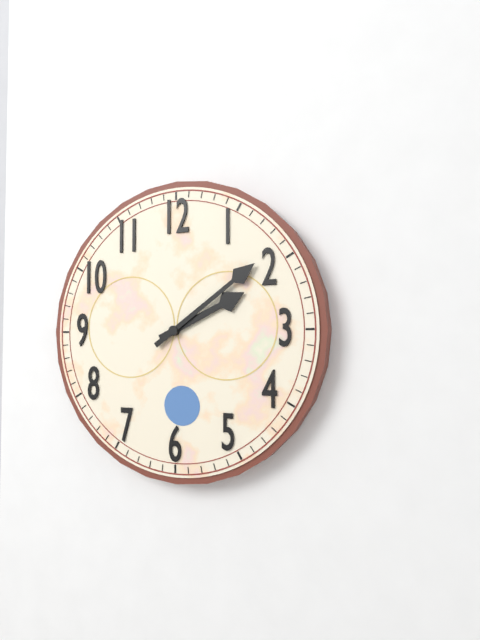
2.09
